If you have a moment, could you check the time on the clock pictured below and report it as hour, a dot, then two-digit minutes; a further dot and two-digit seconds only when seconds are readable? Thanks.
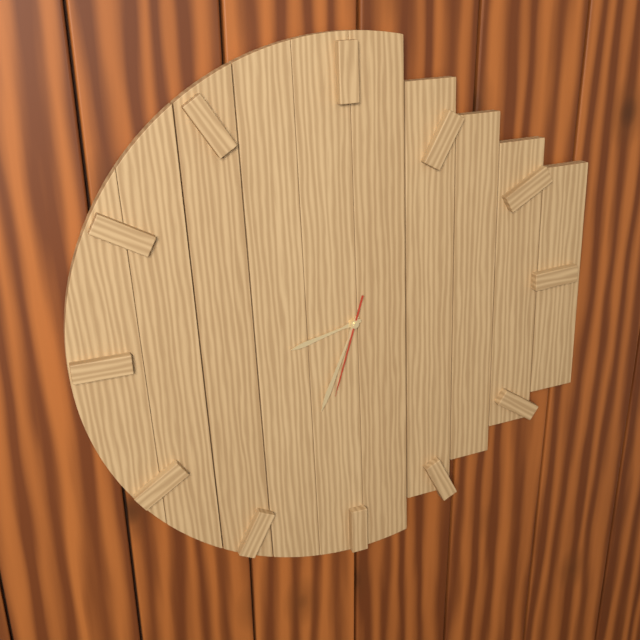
8.34.33
